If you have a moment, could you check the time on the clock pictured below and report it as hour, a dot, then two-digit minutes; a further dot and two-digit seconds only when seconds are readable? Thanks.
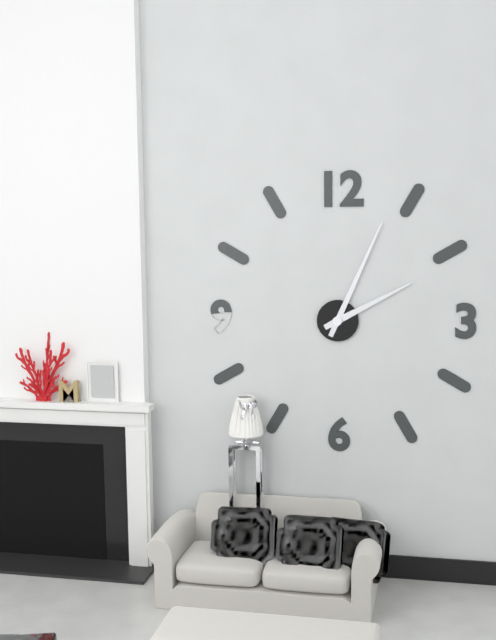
2.04
